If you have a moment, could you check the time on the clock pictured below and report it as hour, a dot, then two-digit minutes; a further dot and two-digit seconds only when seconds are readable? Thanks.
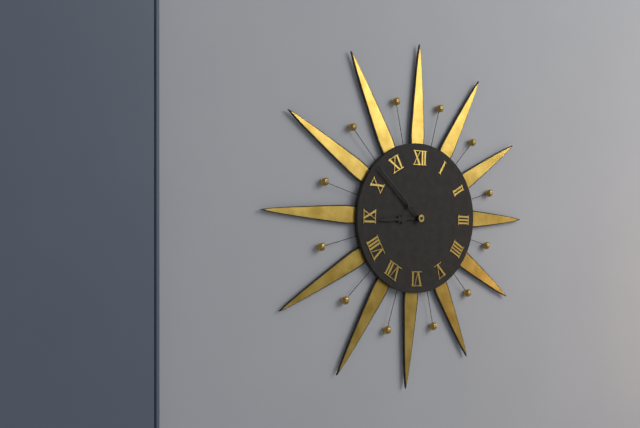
8.52
